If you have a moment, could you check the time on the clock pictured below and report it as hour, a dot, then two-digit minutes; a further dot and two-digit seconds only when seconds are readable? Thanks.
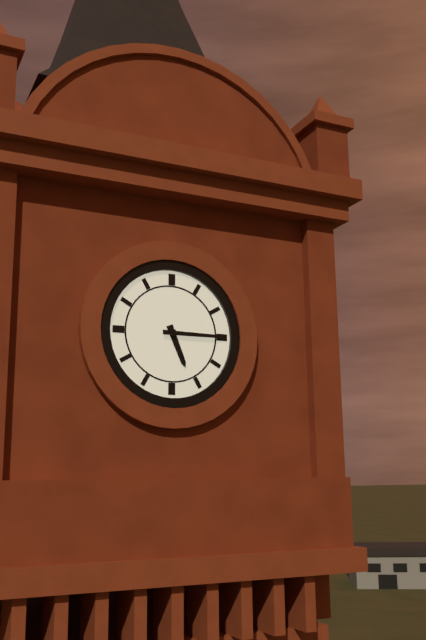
5.15
